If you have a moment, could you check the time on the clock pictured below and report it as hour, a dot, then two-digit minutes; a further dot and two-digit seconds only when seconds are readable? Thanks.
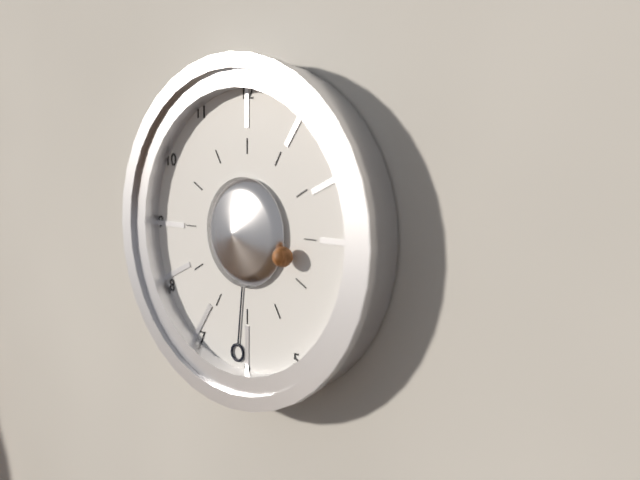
3.31
